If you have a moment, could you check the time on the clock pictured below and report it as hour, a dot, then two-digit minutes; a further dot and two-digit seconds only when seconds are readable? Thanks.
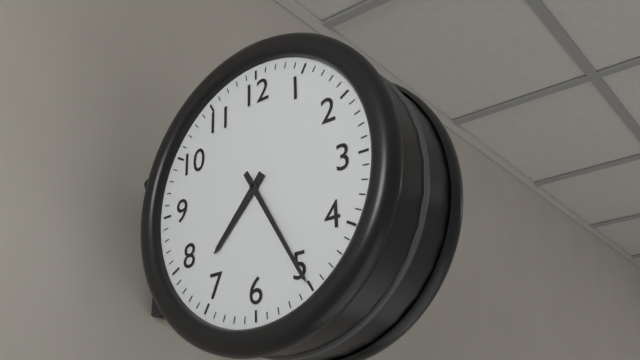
7.25
